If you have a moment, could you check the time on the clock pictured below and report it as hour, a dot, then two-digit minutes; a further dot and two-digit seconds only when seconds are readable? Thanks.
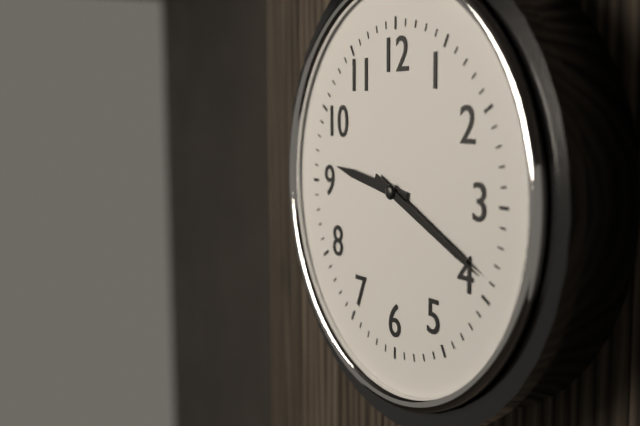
9.19
